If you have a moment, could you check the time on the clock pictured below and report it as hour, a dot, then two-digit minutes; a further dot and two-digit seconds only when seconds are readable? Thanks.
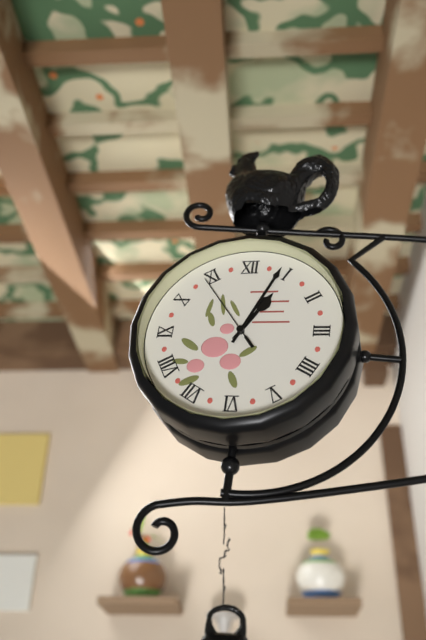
1.04.54
